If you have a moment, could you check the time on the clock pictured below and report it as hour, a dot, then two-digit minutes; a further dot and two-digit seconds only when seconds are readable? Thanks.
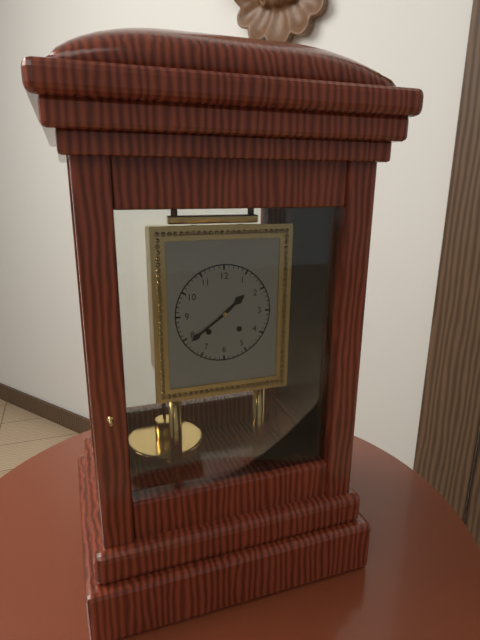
1.39
